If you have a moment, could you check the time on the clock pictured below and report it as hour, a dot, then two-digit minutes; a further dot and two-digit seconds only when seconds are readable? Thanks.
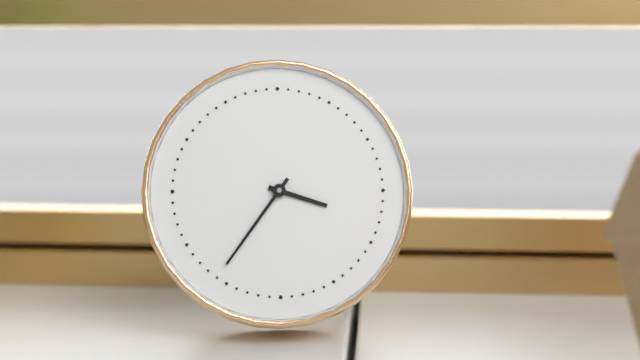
3.36
